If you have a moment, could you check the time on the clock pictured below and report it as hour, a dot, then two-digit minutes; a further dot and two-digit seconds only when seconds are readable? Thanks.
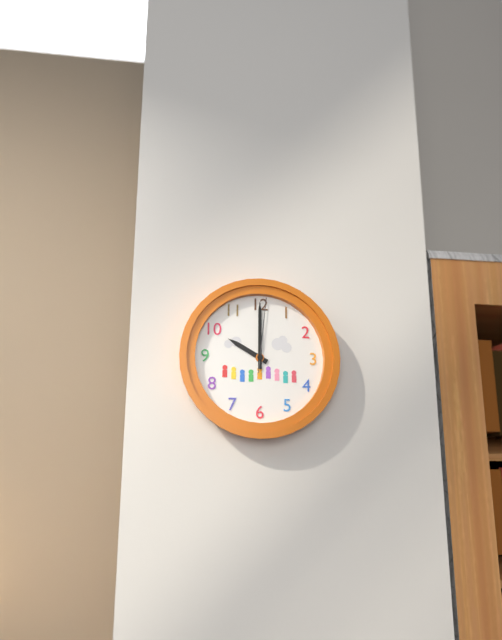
10.00.01
